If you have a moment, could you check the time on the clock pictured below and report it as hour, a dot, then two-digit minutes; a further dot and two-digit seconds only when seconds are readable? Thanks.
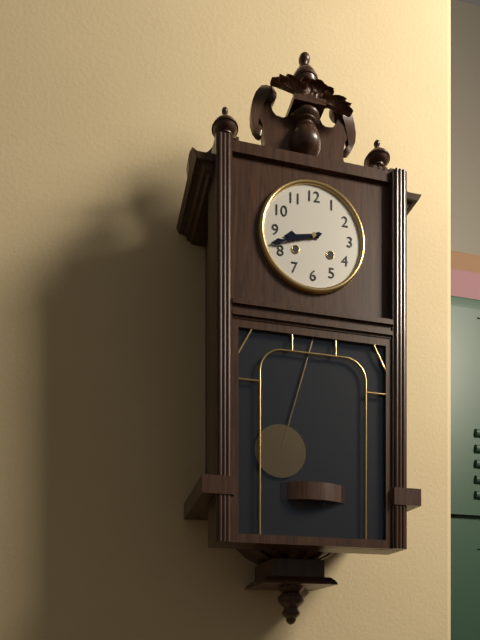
8.42
